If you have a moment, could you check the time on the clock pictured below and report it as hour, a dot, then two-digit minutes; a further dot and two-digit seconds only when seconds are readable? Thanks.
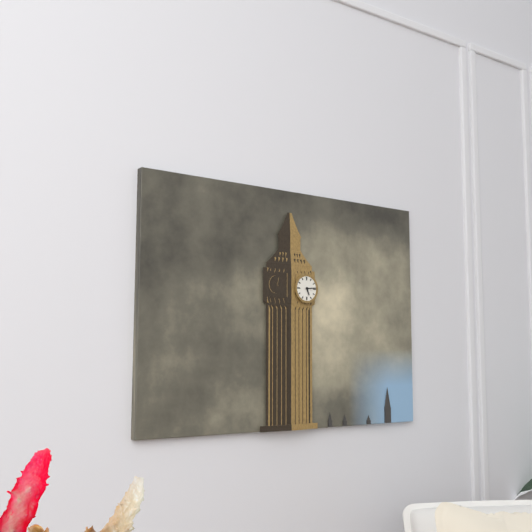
5.14
